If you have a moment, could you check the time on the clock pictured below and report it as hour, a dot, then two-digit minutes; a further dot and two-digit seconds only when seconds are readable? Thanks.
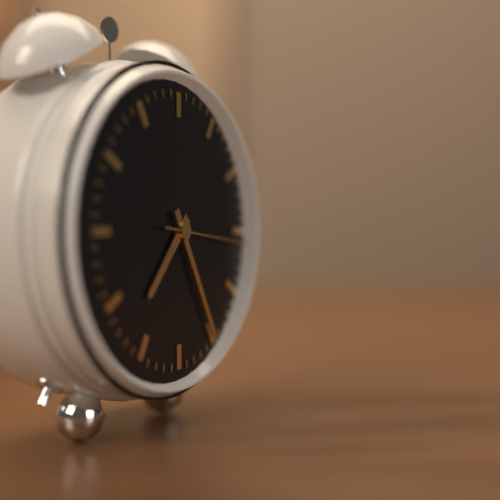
7.25.16
